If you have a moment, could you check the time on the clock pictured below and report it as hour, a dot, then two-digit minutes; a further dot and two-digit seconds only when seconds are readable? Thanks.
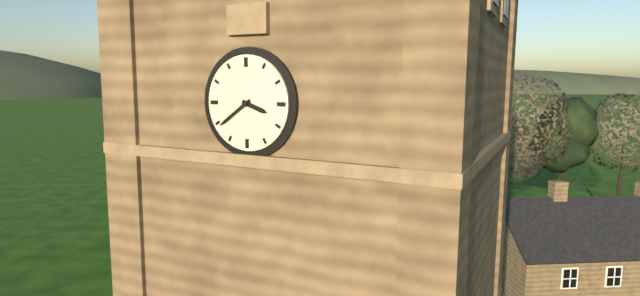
3.39
